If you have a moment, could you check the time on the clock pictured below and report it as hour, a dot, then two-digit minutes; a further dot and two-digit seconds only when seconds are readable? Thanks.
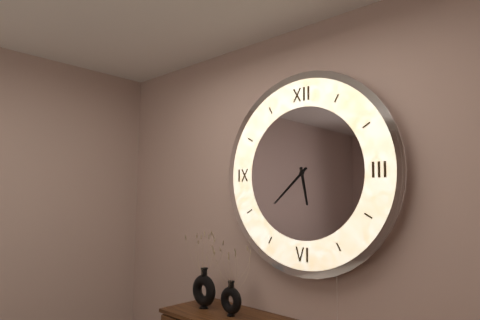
5.38
